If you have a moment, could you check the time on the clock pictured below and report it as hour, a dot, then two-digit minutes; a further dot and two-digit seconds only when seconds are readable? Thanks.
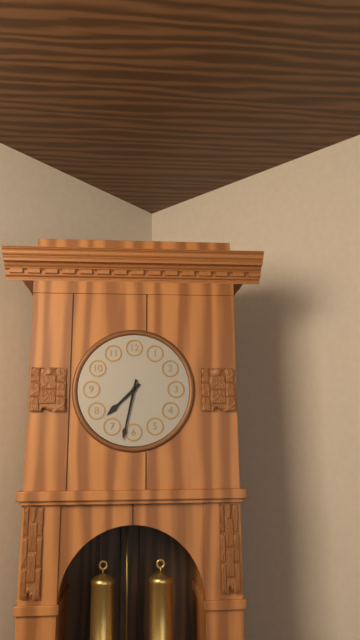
7.32
